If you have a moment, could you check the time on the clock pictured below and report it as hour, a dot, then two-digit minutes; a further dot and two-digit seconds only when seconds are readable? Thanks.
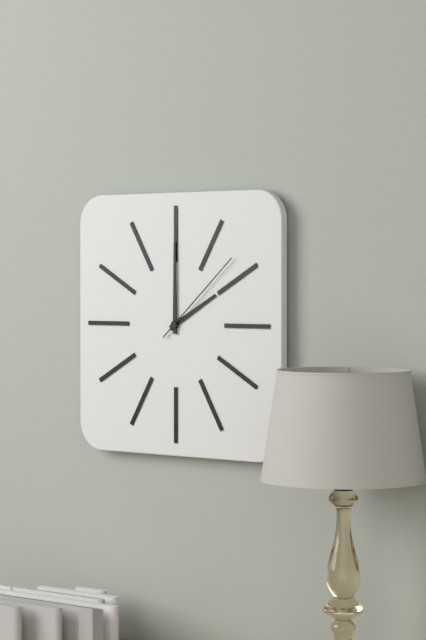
2.00.08
